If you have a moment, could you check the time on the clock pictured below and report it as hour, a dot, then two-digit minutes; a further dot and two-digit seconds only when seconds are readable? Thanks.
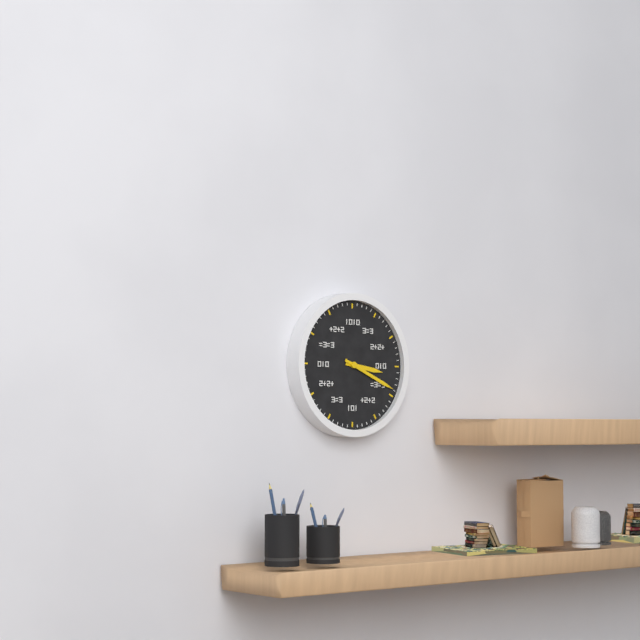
3.19
